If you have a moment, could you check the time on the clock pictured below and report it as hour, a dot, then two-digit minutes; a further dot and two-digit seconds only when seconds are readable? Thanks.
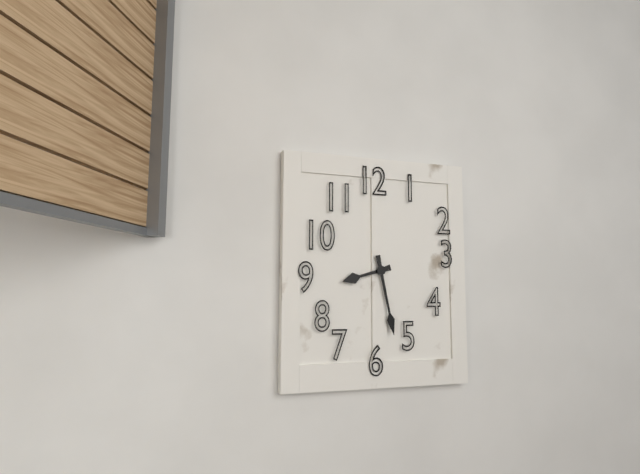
8.28
